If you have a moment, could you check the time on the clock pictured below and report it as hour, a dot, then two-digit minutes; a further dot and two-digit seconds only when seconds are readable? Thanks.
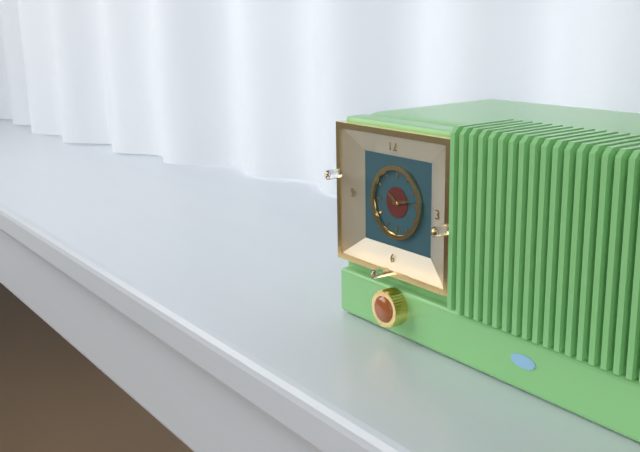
10.13
